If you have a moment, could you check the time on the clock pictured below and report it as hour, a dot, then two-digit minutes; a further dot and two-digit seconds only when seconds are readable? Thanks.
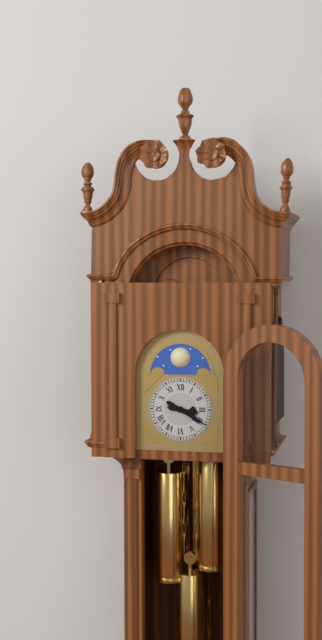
3.20
